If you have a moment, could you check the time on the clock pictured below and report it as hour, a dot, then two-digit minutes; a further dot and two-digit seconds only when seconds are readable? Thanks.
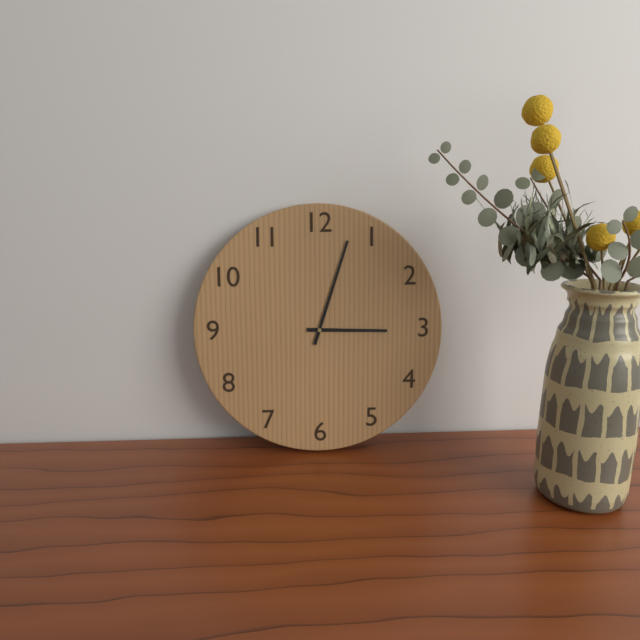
3.03
